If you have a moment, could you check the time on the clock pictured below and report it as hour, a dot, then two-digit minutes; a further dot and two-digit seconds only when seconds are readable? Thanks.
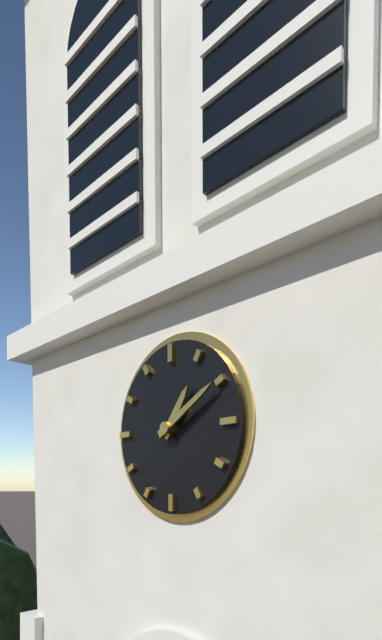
1.10
